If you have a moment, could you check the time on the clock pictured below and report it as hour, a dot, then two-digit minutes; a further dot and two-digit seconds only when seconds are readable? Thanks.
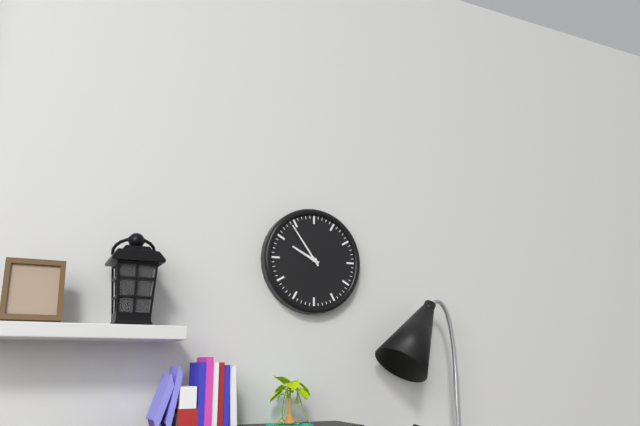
9.54
